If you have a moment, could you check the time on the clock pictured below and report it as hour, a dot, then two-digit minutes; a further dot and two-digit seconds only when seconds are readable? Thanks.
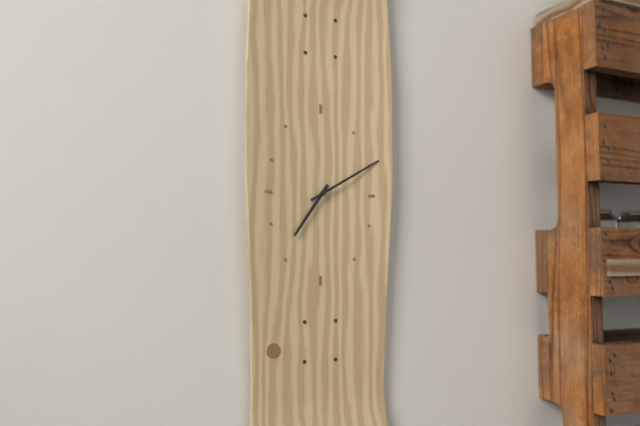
7.10
